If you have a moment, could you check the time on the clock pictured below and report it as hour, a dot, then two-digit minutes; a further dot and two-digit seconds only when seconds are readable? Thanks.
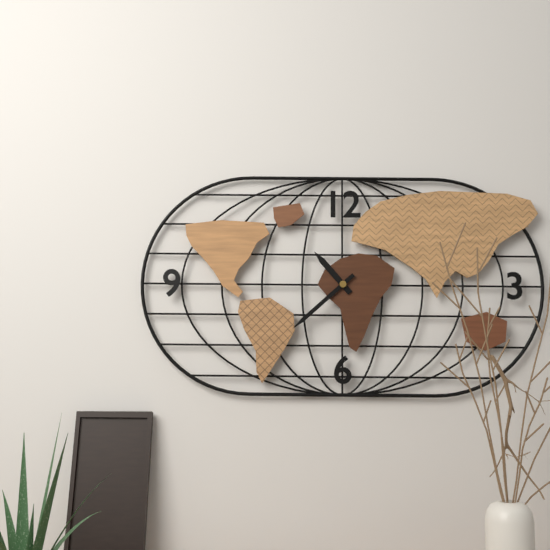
10.38
